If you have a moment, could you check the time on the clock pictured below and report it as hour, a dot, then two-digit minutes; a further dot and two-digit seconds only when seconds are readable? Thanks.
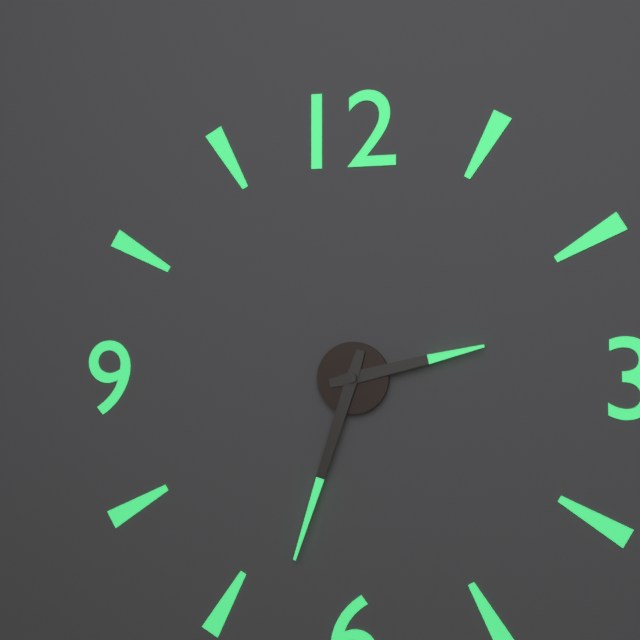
2.33
